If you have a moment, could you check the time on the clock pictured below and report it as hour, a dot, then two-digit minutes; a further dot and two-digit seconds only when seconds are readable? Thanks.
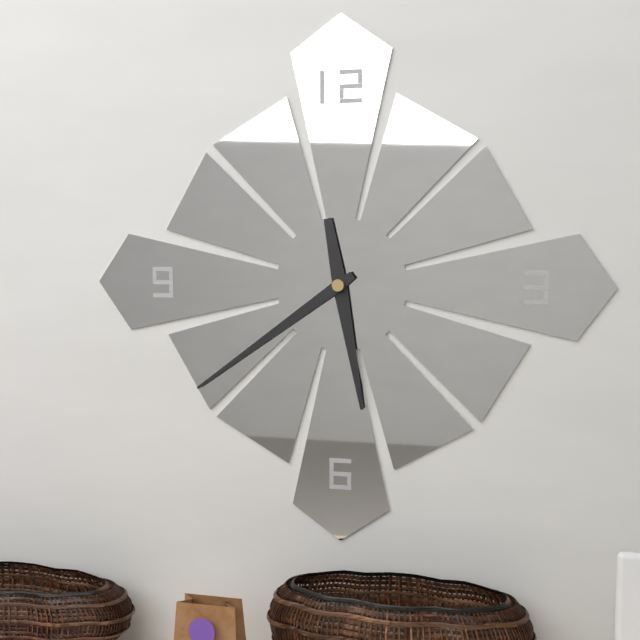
5.39
